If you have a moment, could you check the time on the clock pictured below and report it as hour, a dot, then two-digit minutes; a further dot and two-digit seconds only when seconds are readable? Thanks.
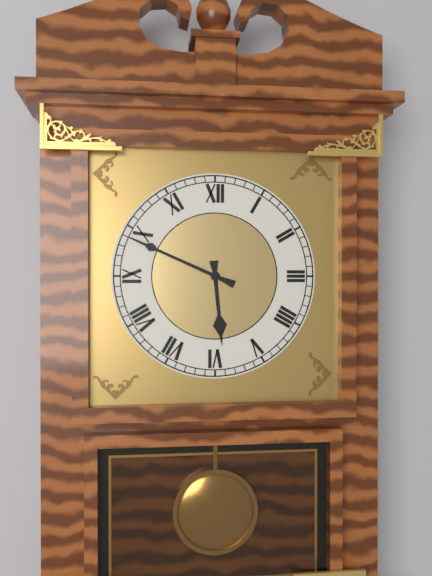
5.49
